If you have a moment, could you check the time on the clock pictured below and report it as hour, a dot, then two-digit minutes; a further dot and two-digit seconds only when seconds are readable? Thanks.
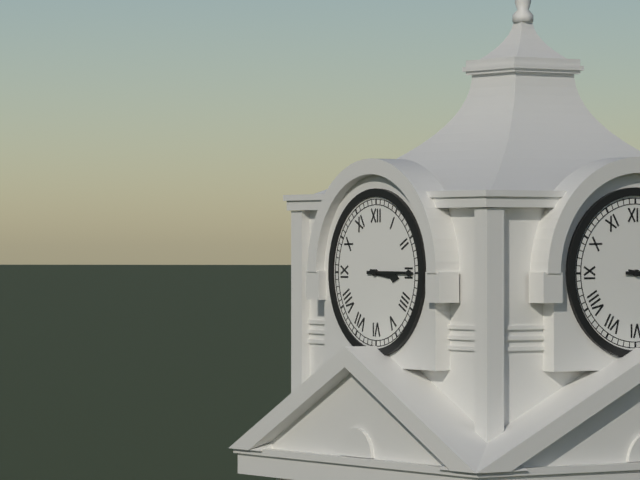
3.15
